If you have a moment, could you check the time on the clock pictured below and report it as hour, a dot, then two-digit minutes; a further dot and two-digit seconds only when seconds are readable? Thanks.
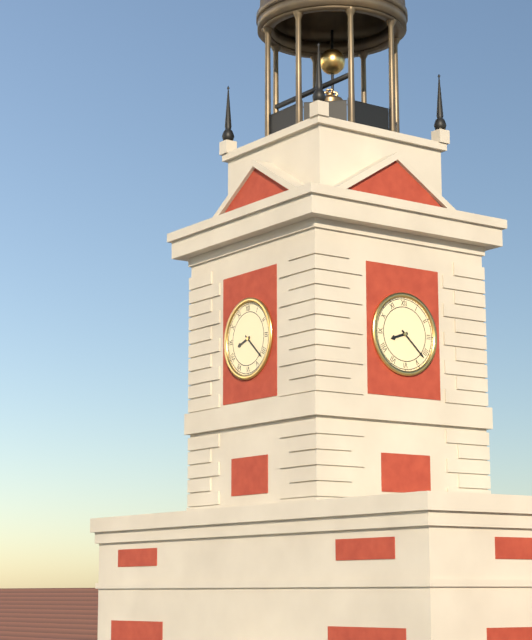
8.22
